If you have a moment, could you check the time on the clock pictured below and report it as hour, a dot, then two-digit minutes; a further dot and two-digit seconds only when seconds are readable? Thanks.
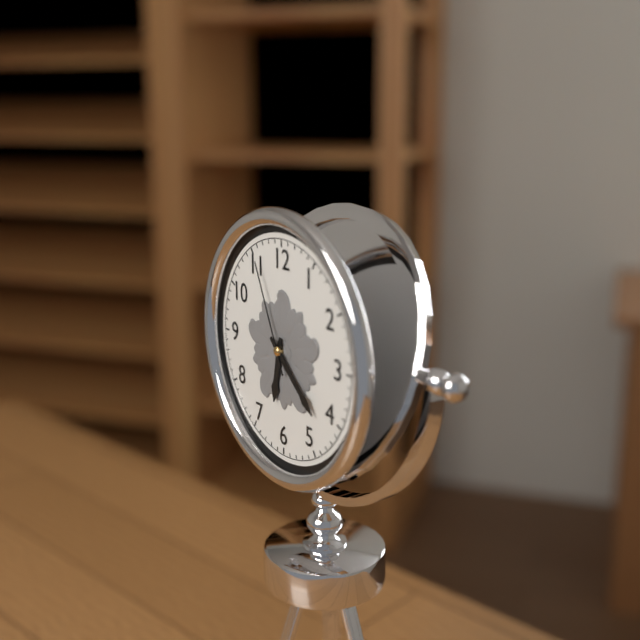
6.22.56
